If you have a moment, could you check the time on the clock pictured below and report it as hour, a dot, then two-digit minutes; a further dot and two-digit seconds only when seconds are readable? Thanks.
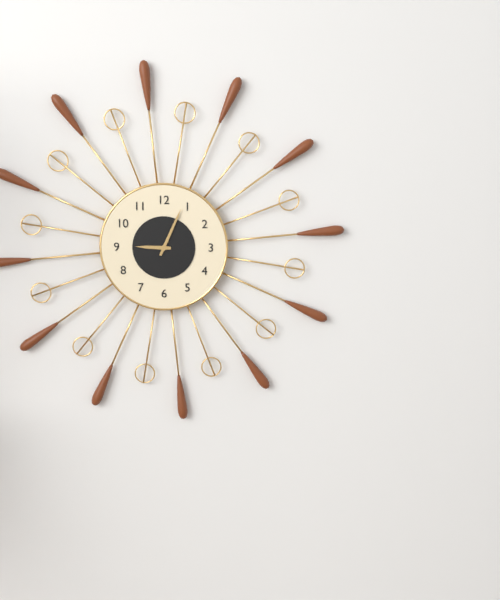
9.04
